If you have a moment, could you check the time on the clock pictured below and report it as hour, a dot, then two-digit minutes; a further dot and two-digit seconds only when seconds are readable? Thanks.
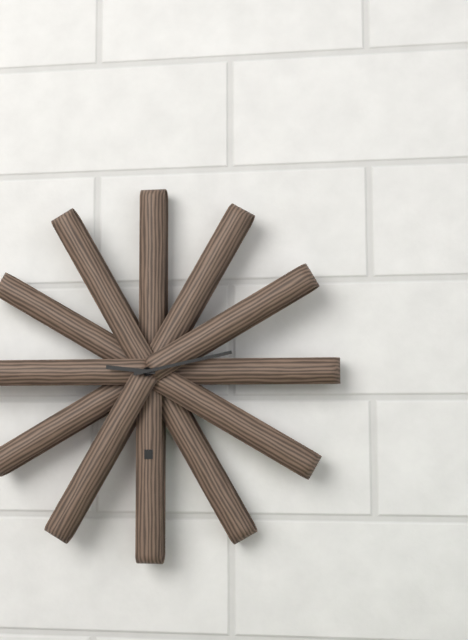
9.13
